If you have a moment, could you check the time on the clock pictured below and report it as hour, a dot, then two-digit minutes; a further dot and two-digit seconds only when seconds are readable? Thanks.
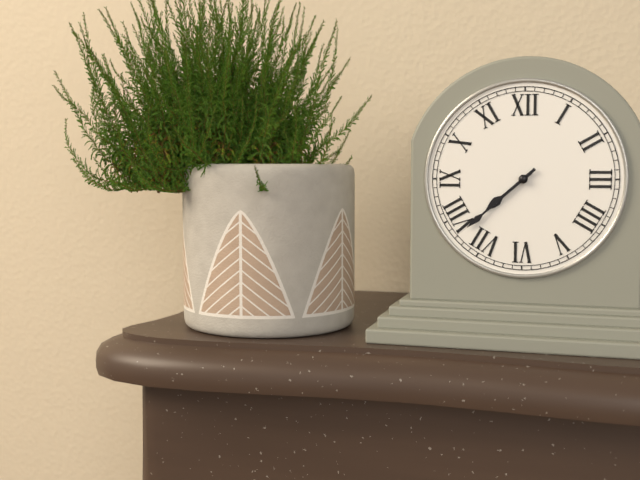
7.38
